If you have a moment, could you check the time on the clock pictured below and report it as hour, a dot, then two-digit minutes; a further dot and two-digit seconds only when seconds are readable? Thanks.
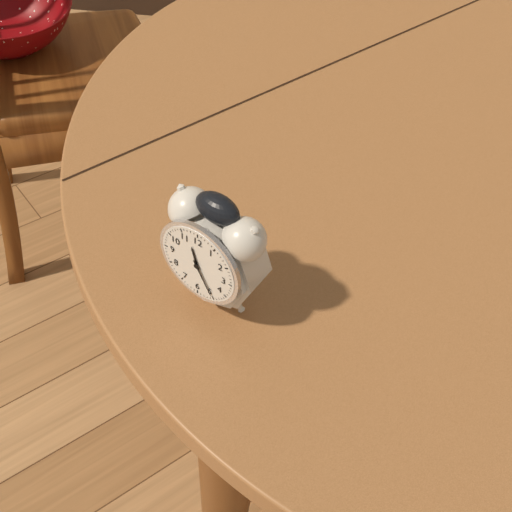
11.25
